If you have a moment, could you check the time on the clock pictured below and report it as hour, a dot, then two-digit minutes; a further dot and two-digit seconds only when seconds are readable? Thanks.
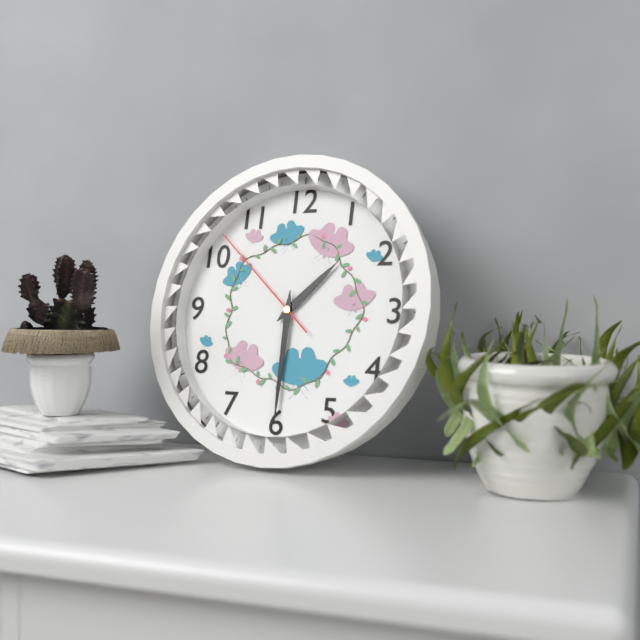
1.30.52
